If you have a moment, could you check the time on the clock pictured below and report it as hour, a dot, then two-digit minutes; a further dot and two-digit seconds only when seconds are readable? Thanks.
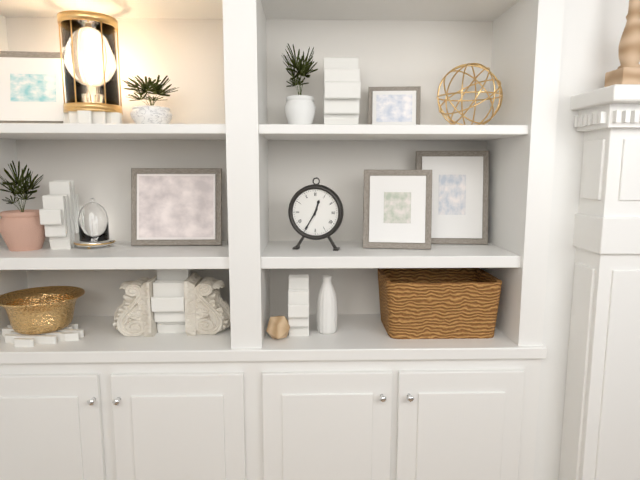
12.35
